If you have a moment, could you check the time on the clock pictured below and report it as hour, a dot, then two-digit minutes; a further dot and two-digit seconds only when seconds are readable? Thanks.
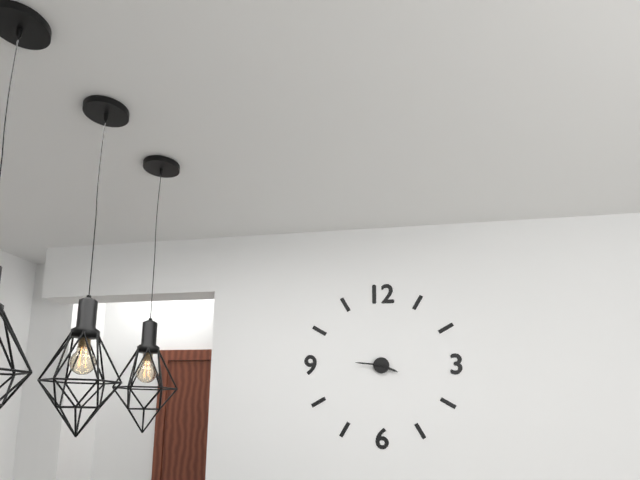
3.46
